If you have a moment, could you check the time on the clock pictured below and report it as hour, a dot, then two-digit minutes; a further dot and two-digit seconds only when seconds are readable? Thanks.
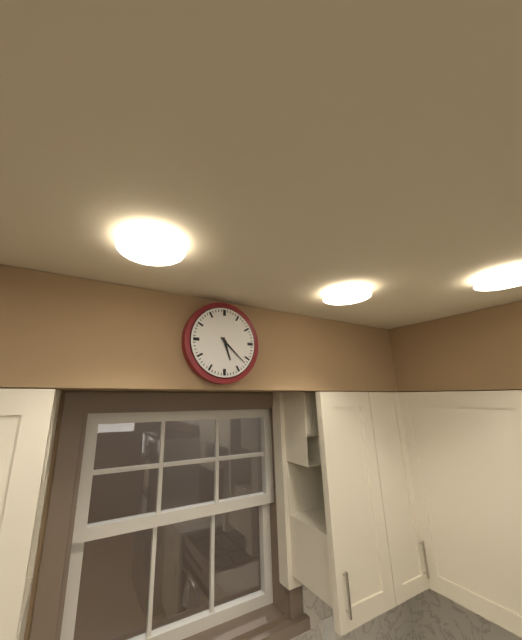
5.22
